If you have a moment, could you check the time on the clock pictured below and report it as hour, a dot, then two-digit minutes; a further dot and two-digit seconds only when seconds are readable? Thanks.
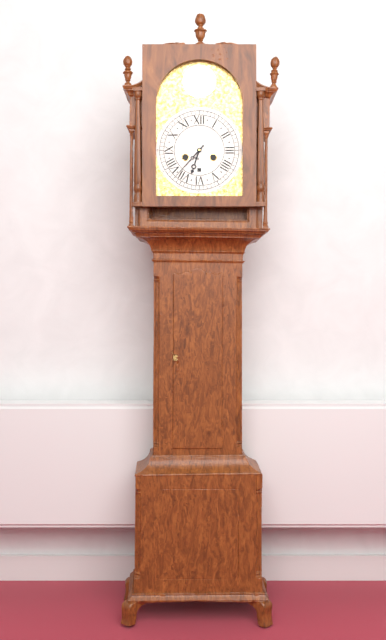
6.37
